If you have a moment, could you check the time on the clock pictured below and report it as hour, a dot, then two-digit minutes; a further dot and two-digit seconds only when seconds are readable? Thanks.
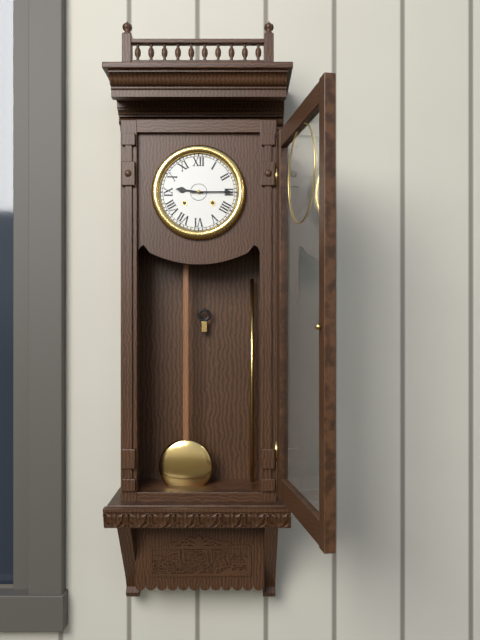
9.15
